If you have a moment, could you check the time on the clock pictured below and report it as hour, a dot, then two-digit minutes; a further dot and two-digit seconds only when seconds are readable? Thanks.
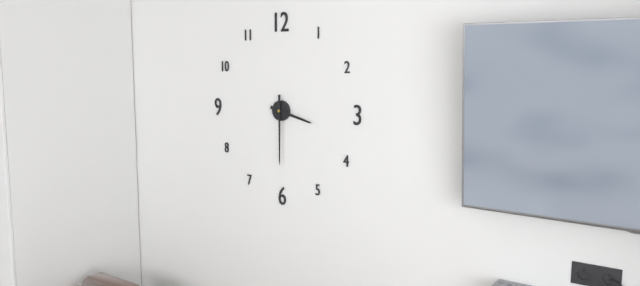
3.30
